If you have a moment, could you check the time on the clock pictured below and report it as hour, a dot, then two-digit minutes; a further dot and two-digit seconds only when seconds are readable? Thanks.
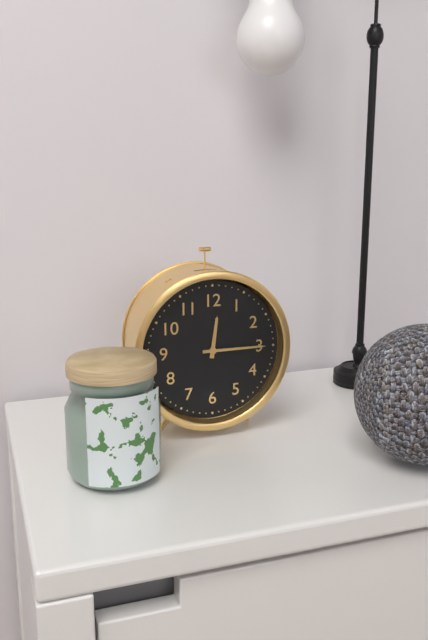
12.15
